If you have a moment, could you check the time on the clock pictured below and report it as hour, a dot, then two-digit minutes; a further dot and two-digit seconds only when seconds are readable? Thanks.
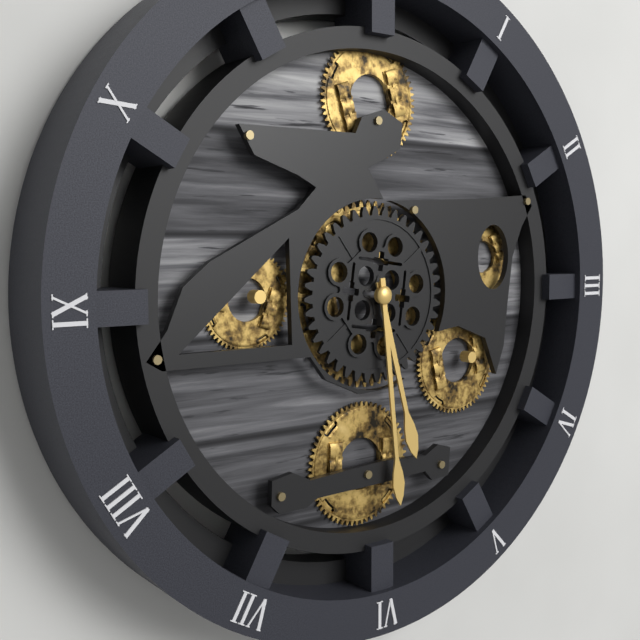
5.29
